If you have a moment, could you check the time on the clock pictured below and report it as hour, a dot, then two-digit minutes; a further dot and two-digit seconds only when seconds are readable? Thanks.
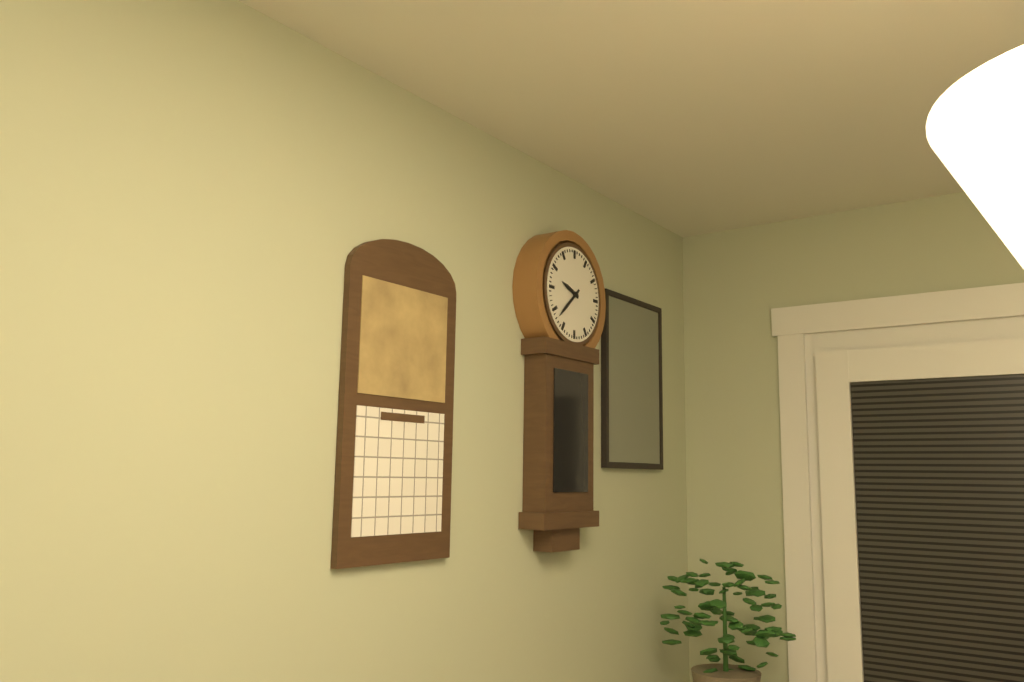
9.38
